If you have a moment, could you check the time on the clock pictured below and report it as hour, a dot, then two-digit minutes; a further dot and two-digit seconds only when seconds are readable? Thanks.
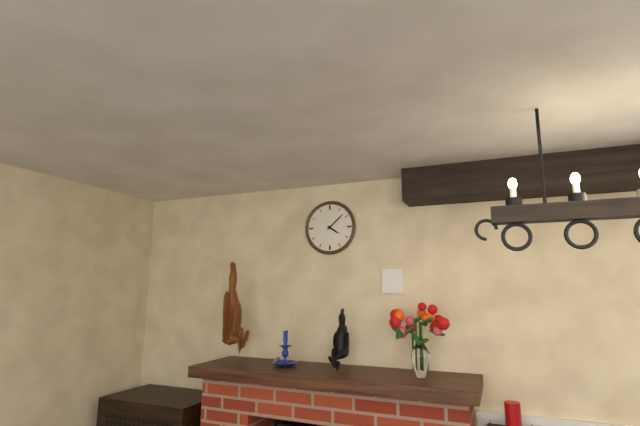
4.08
